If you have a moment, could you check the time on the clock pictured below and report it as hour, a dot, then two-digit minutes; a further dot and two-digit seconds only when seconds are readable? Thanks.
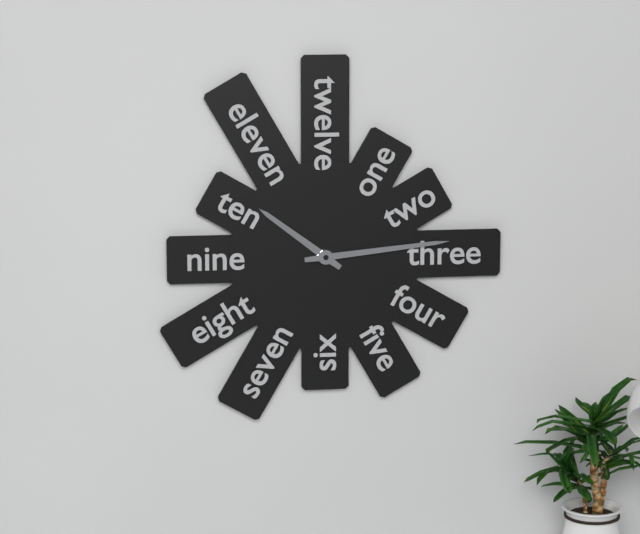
10.14
